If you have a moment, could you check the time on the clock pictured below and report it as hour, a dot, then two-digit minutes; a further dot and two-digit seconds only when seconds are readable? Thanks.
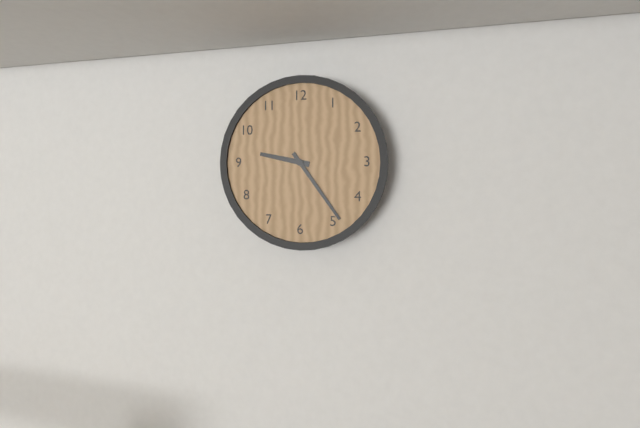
9.24
